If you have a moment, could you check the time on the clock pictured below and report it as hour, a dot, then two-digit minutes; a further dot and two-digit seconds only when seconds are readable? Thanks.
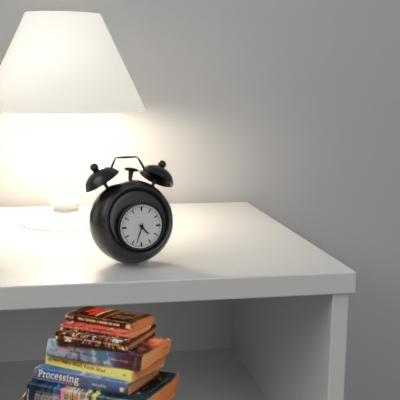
4.33
